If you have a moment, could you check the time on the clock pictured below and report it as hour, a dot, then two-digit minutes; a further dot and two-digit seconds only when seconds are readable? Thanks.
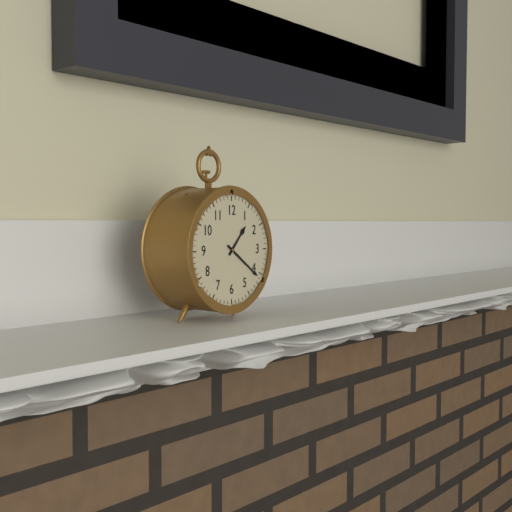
1.21
